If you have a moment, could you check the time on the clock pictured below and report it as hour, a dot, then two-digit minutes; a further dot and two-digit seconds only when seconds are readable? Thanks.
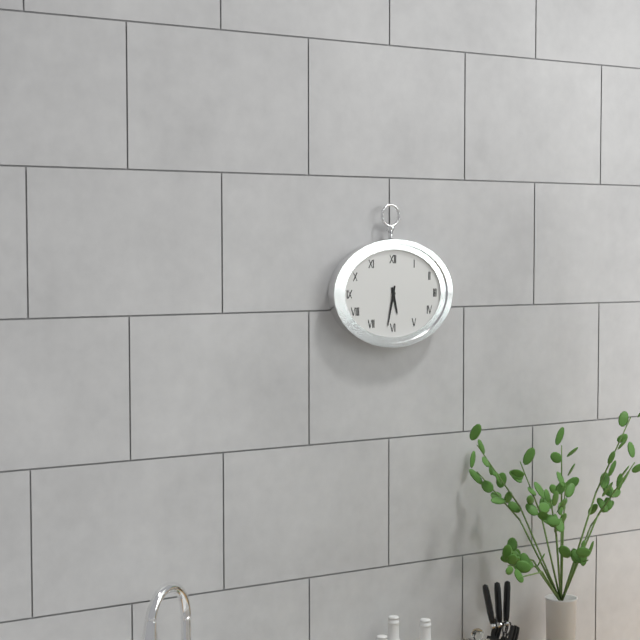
5.32
